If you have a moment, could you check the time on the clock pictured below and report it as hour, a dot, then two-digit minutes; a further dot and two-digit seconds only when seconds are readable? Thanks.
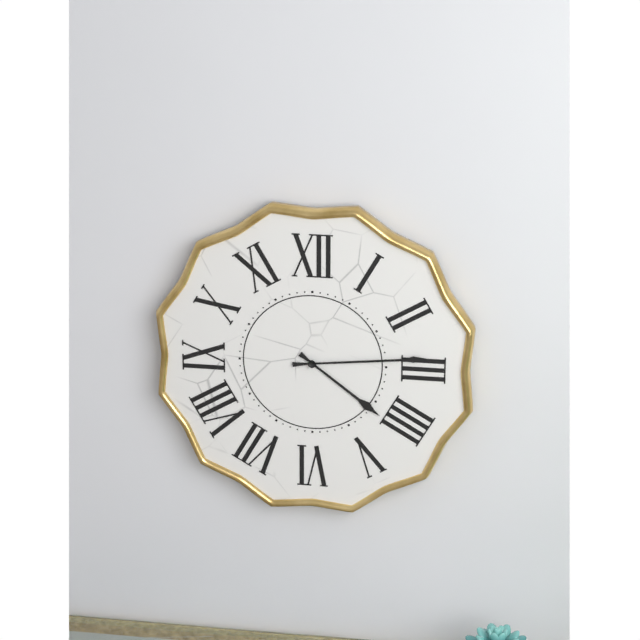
4.14
